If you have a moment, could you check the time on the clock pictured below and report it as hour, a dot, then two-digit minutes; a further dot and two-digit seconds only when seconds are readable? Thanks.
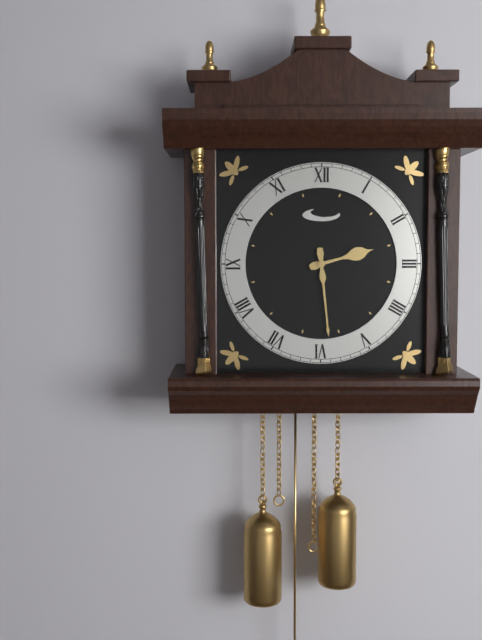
2.29
